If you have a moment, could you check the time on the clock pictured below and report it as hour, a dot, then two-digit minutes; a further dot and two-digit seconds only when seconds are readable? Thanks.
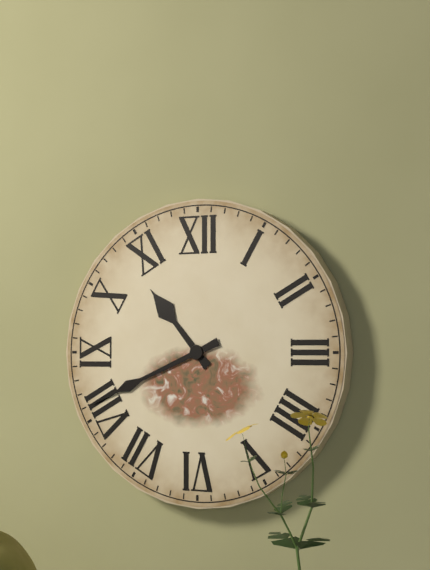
10.41
